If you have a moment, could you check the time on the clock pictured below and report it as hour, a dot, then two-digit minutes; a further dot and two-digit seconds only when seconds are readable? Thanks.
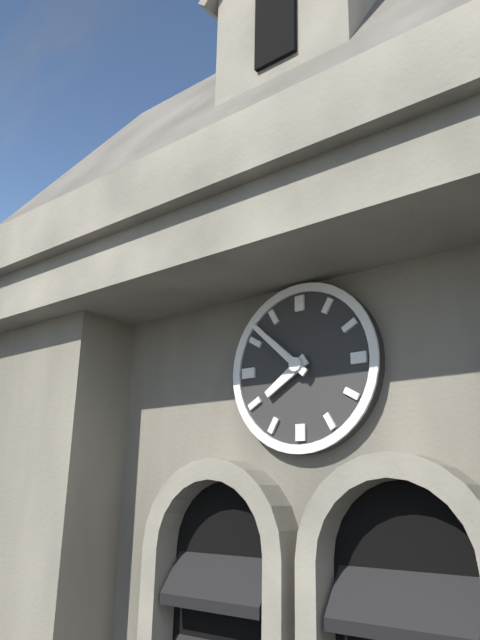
7.52
